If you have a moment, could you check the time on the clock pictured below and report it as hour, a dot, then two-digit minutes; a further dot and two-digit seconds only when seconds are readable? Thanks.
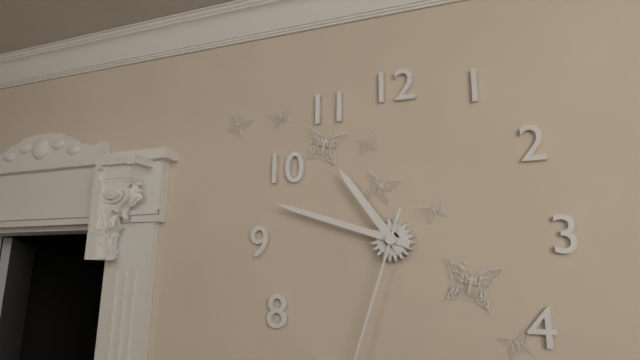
10.48
